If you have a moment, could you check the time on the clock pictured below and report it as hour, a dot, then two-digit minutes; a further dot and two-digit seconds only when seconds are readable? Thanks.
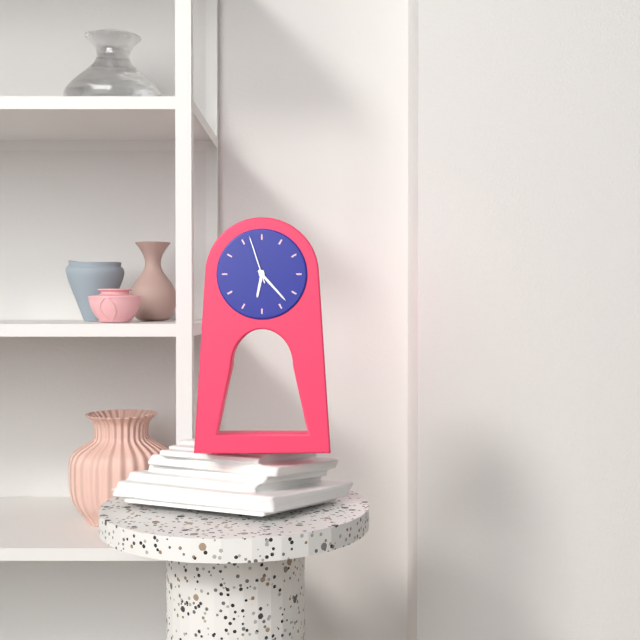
6.23.57
